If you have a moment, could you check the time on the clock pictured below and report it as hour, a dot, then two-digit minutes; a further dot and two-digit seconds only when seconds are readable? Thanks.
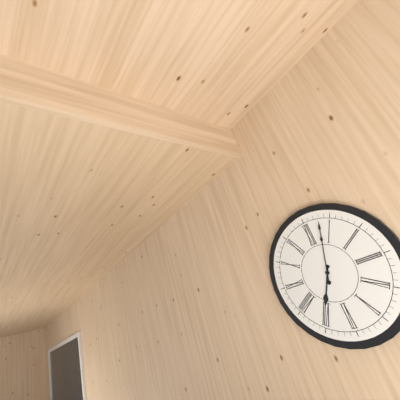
7.03
